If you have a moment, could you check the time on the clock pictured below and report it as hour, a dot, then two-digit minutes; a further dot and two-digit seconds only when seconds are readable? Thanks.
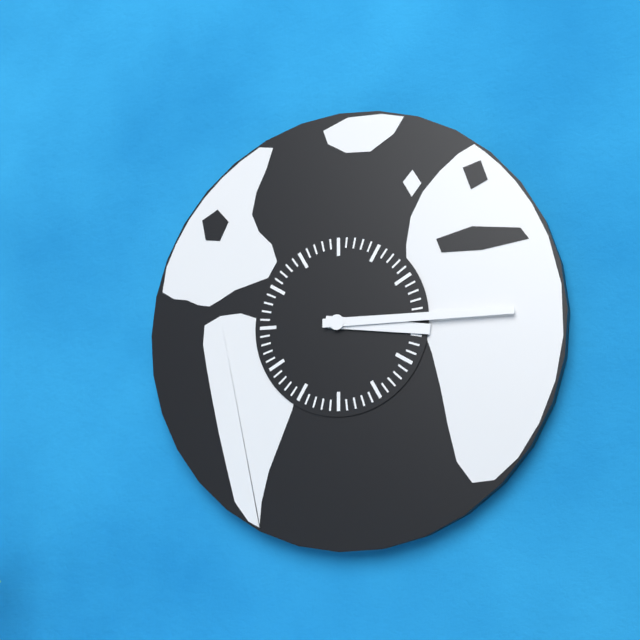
3.15
